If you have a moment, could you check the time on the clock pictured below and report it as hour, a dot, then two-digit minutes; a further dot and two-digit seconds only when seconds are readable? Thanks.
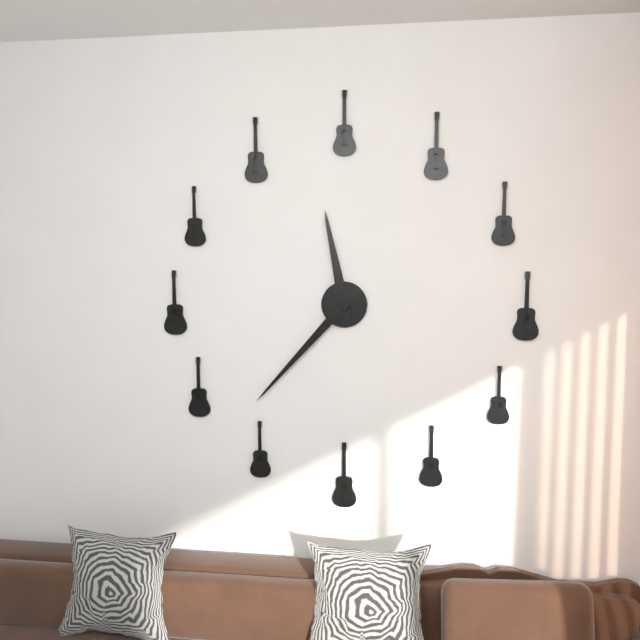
11.37
